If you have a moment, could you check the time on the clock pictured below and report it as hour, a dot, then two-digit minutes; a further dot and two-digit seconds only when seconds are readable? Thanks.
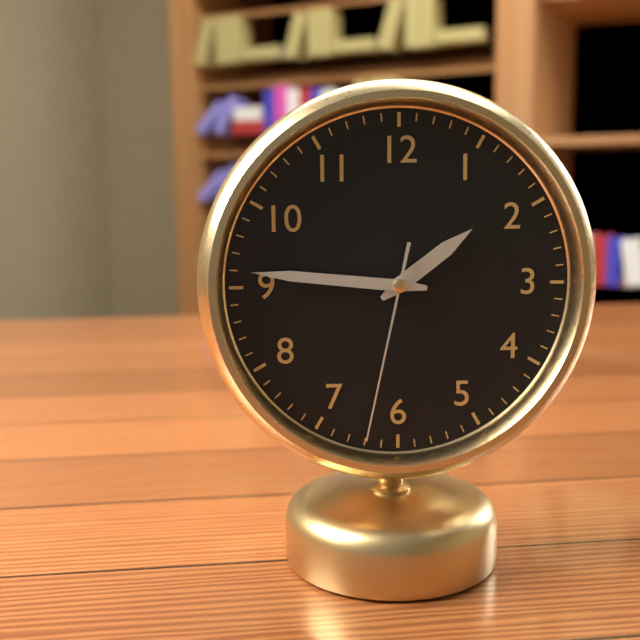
1.46.32
